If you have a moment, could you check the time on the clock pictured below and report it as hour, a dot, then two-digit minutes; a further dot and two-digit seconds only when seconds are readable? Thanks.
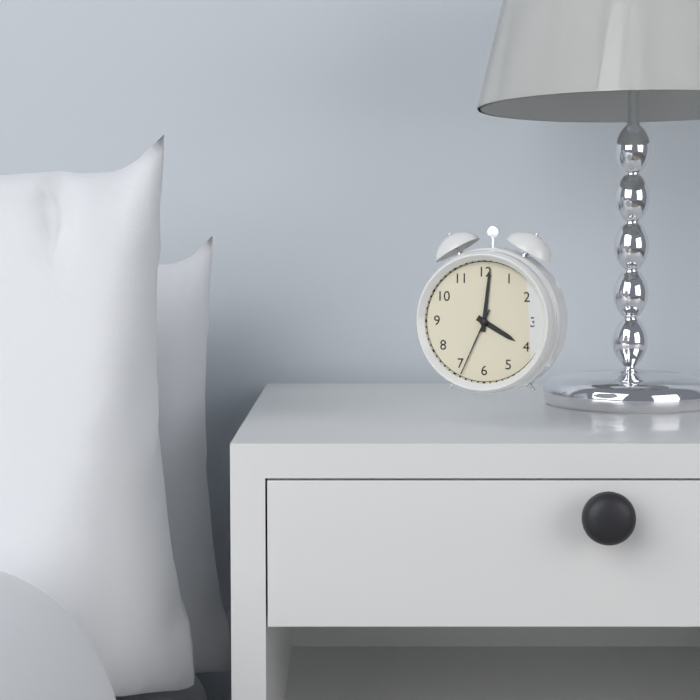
4.01.34
